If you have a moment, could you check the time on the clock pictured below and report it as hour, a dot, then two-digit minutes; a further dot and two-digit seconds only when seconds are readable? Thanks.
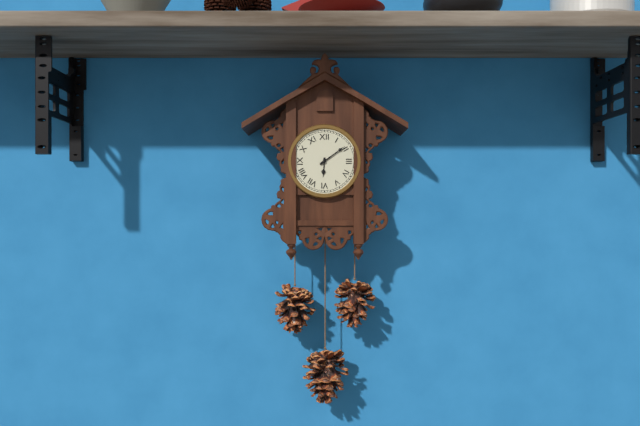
6.09
